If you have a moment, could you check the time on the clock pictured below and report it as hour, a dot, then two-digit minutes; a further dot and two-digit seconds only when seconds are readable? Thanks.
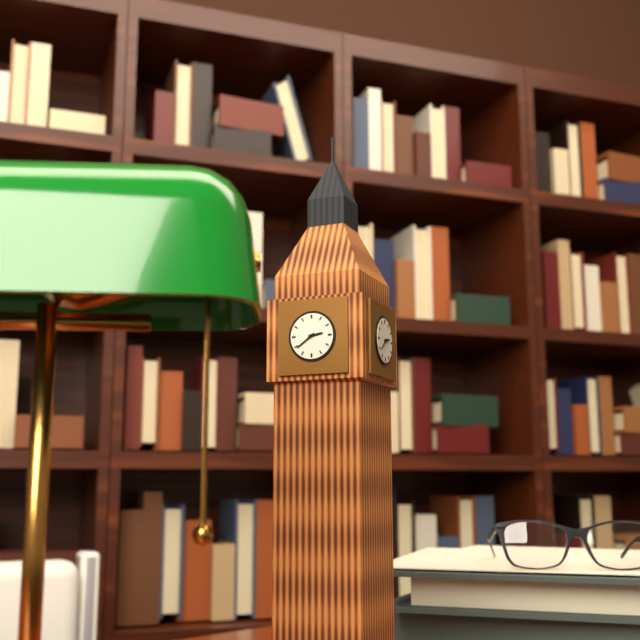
2.39
